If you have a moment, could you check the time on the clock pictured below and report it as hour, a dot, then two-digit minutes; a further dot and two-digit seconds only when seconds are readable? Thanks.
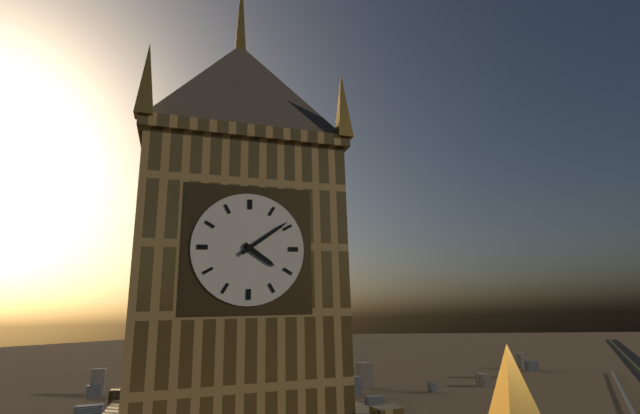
4.09
